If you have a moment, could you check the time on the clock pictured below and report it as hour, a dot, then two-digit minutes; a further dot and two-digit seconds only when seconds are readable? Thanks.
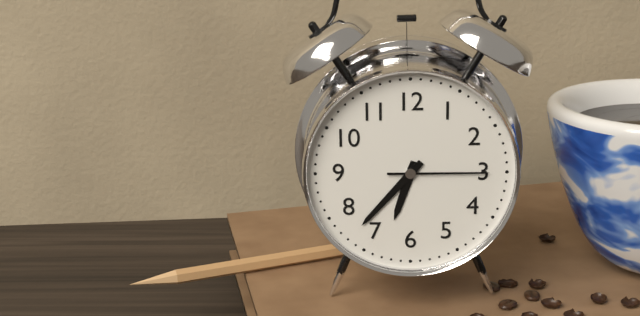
6.37.15
